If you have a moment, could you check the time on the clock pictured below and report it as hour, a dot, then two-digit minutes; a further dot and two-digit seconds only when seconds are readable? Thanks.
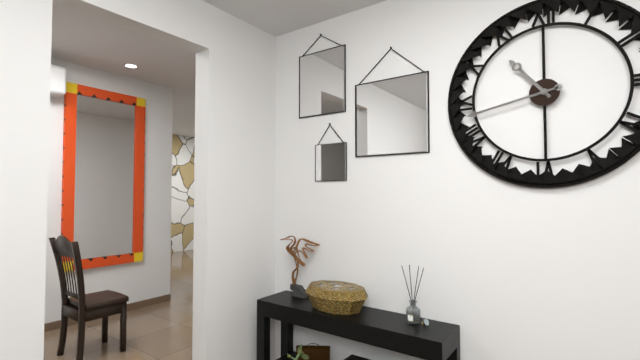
10.43
